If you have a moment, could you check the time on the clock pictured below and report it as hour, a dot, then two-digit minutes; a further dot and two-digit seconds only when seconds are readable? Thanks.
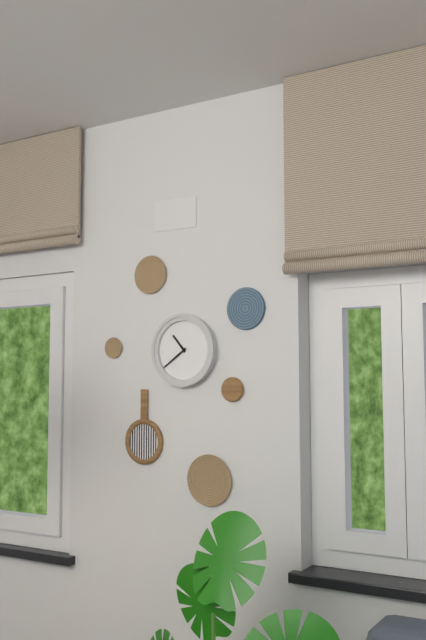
10.39
